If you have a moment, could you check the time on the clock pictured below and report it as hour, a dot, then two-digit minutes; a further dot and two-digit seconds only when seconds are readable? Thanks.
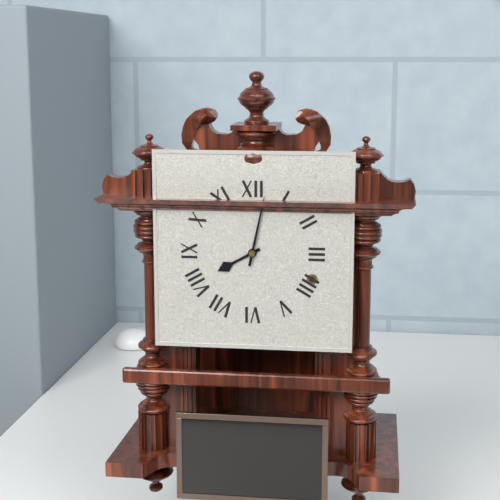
8.02
